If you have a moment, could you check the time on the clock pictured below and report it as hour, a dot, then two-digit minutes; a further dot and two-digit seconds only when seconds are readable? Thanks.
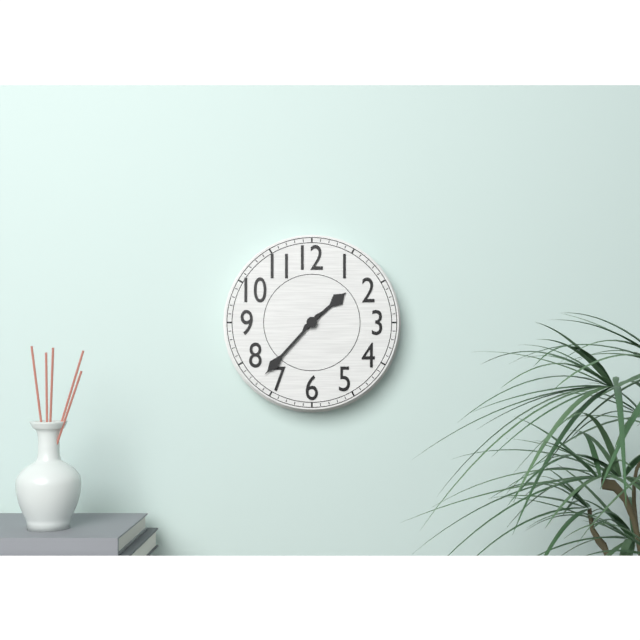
1.37
